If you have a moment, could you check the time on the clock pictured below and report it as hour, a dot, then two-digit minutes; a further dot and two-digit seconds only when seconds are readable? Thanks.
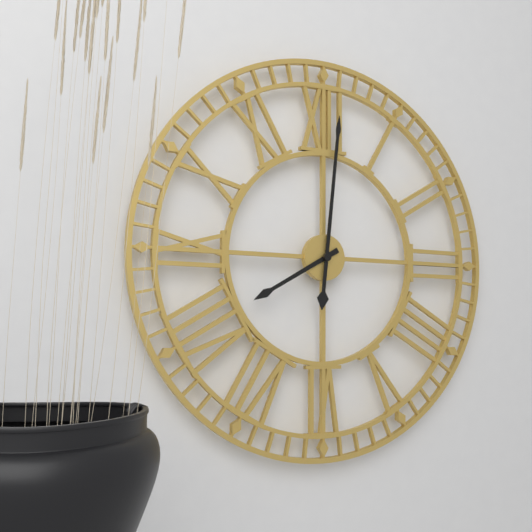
8.01
